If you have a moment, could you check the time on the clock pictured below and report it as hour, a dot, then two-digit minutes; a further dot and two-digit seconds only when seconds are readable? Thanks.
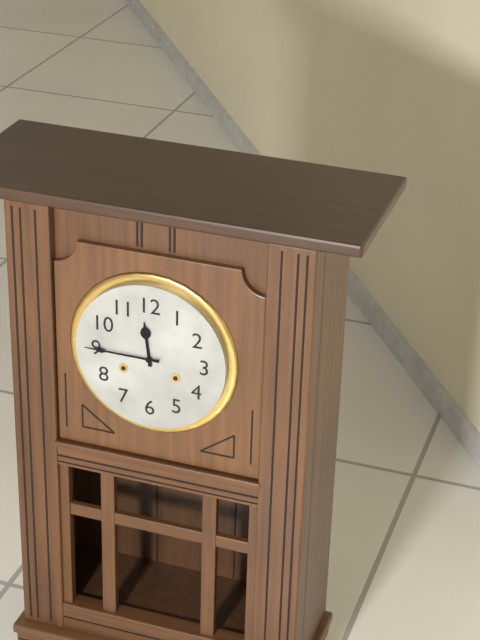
11.45
